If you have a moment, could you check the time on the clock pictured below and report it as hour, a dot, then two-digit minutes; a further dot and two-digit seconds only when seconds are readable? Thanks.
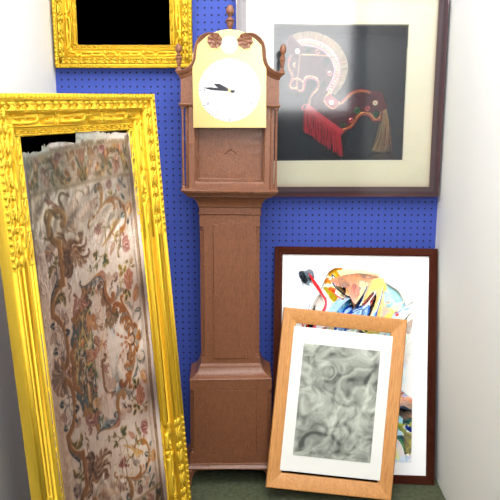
9.46
